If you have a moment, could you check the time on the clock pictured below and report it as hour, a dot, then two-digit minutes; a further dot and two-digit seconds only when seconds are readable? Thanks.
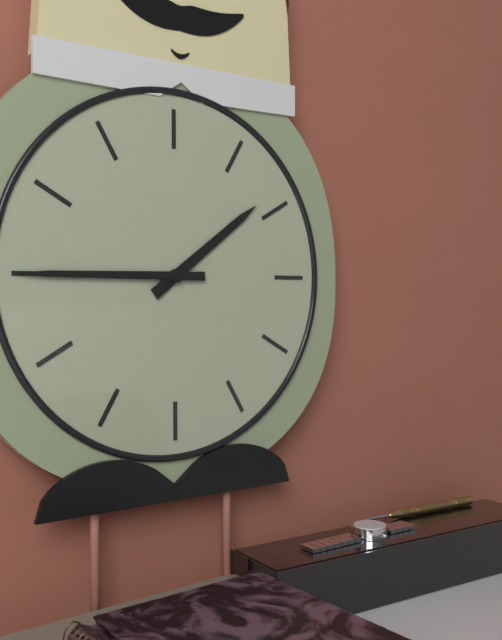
1.45
